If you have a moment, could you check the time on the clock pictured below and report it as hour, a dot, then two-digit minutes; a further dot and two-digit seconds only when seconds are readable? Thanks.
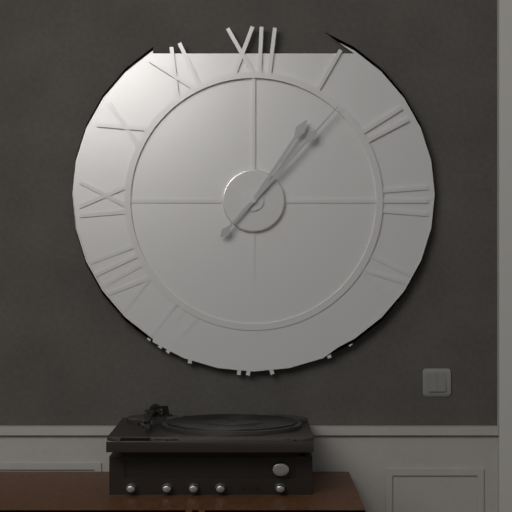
1.07
